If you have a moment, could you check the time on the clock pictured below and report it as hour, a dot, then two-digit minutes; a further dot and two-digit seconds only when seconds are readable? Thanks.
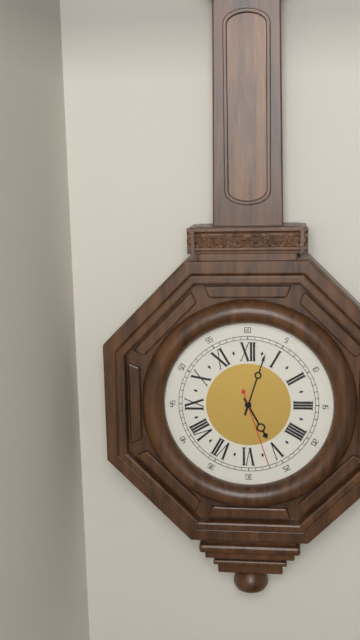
5.03.27
